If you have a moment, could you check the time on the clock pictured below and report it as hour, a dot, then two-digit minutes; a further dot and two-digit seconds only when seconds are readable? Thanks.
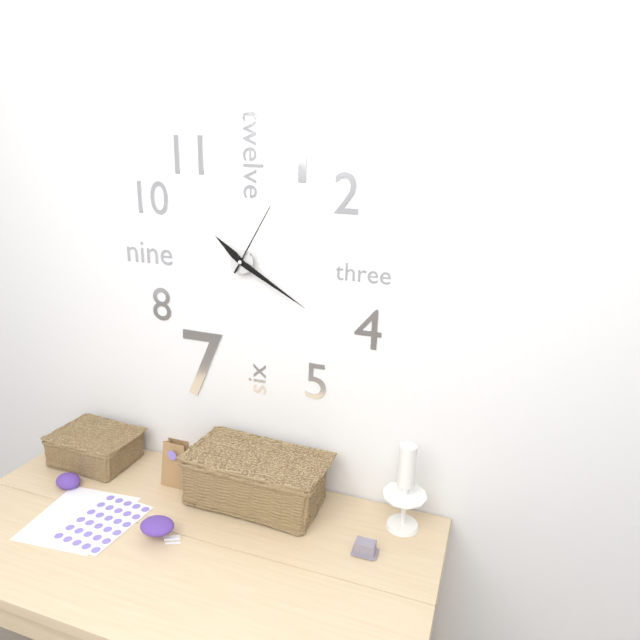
10.20.05
